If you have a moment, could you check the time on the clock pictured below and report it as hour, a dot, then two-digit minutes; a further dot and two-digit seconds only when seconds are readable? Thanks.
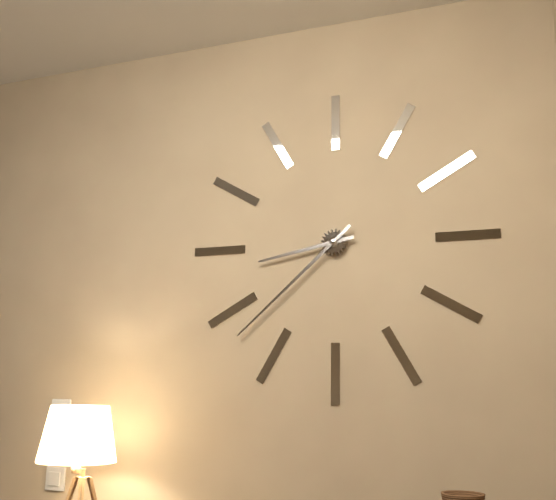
8.38
